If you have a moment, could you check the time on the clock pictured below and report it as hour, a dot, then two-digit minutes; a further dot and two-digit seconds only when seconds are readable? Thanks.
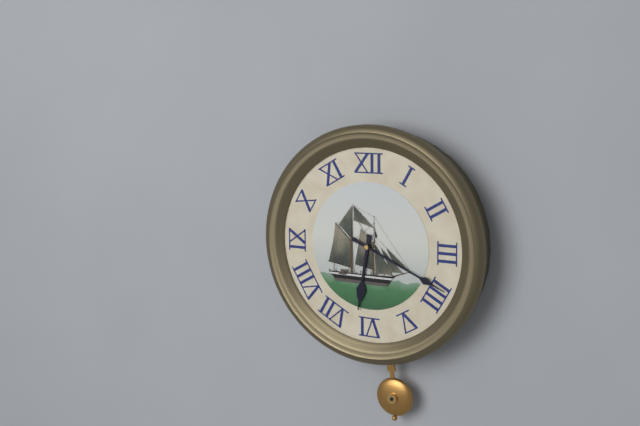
6.19
